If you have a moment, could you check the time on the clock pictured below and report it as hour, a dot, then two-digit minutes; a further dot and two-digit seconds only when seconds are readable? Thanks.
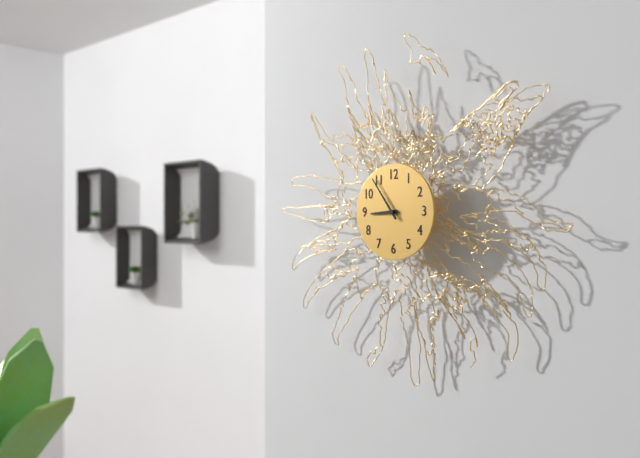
8.54
